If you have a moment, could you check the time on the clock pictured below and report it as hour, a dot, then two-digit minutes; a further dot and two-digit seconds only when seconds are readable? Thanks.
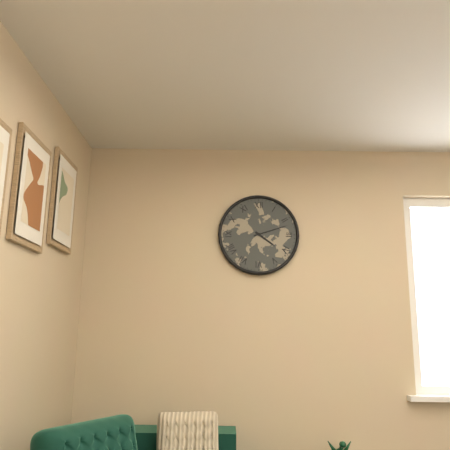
4.12
